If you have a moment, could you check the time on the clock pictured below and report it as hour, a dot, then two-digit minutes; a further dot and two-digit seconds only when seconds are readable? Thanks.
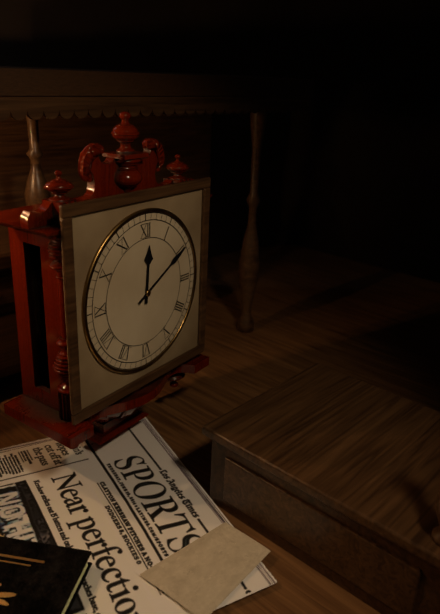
12.10
